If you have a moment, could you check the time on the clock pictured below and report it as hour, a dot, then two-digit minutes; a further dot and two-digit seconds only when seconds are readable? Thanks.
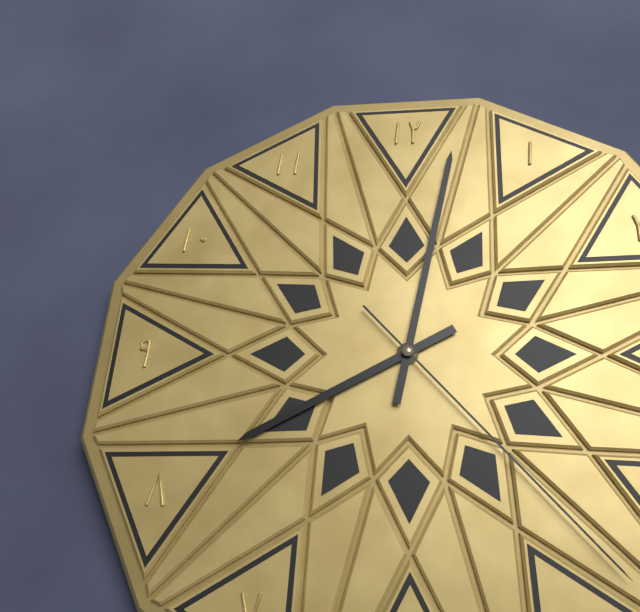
8.02.23
